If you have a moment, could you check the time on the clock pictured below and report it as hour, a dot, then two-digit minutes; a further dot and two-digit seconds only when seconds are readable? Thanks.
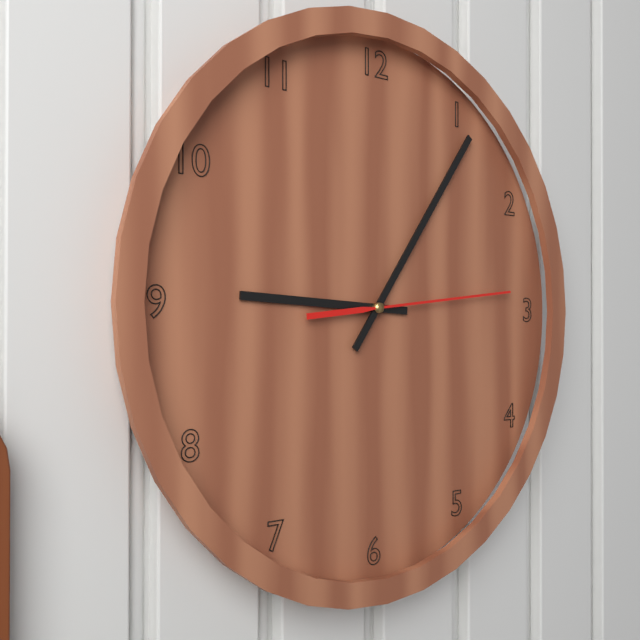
9.06.14
